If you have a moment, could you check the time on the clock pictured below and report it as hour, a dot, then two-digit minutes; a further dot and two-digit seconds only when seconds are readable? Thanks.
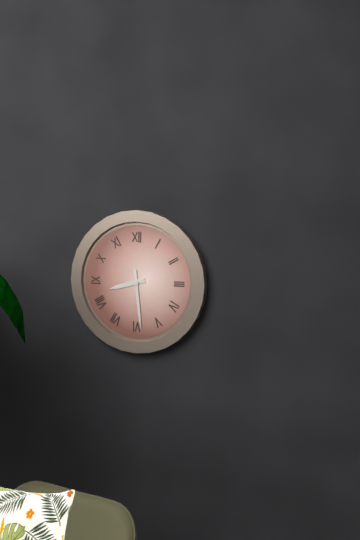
8.29
